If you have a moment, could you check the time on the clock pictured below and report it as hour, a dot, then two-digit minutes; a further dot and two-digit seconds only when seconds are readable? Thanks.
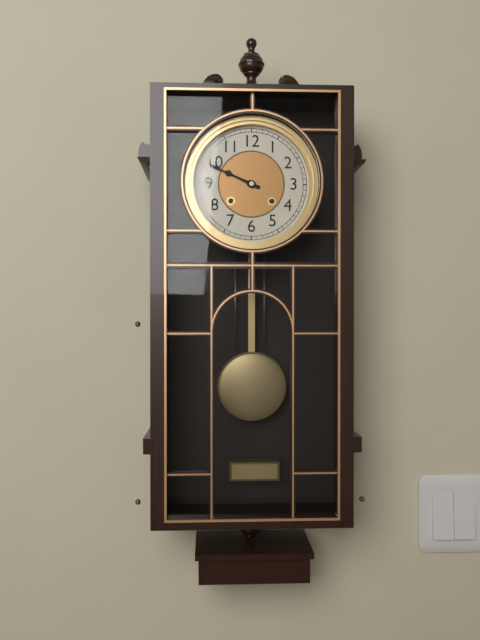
9.49
